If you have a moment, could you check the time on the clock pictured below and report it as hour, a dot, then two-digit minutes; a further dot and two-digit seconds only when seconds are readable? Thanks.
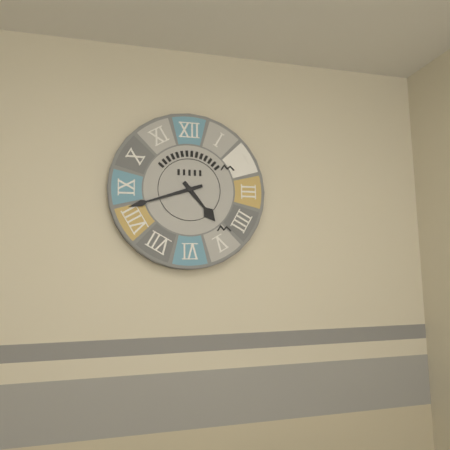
4.42
